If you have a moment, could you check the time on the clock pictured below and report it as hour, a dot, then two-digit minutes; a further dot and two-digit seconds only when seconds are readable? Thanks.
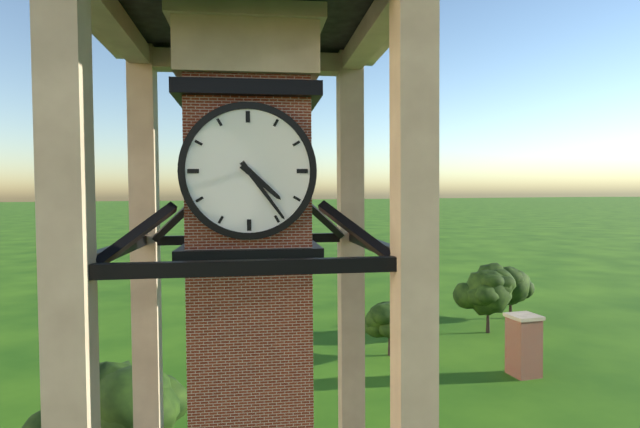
4.24
